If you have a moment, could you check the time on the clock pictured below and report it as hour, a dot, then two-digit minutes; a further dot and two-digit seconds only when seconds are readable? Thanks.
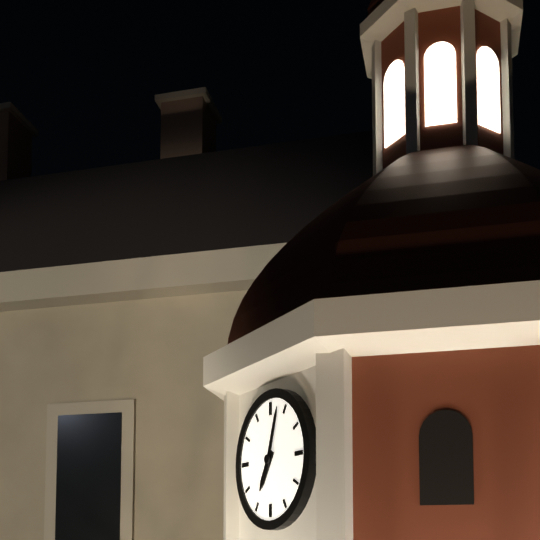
7.03
